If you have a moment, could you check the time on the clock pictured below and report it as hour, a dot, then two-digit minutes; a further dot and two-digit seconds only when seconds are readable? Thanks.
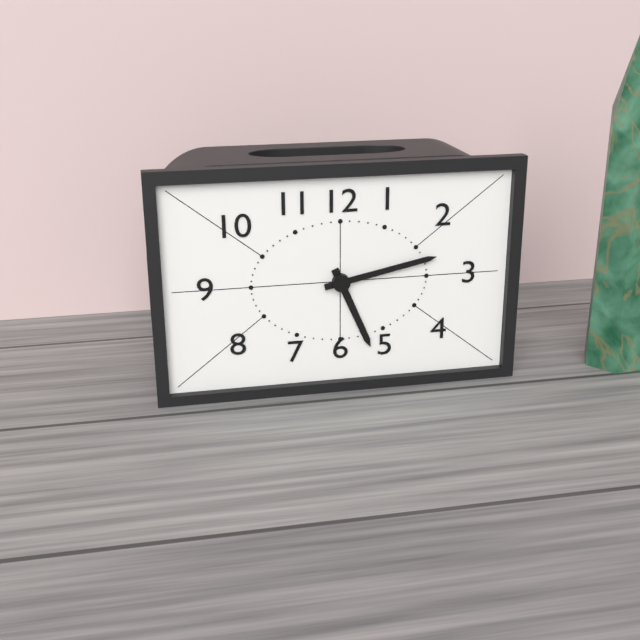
5.13
